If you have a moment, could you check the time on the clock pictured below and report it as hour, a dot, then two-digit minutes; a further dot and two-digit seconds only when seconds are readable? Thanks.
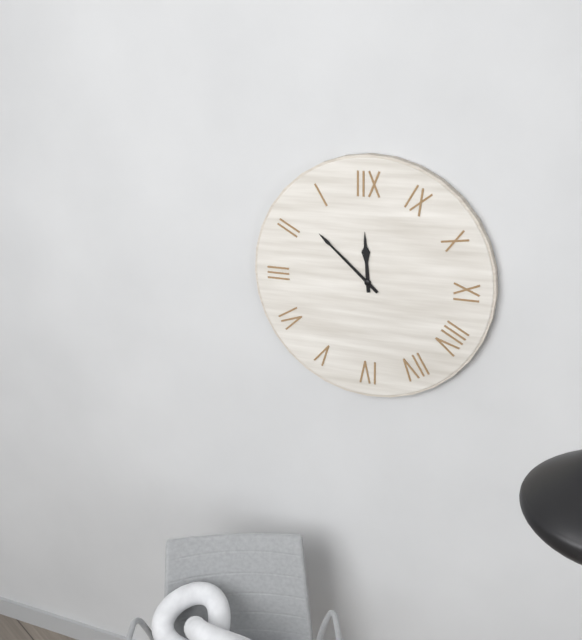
11.52
